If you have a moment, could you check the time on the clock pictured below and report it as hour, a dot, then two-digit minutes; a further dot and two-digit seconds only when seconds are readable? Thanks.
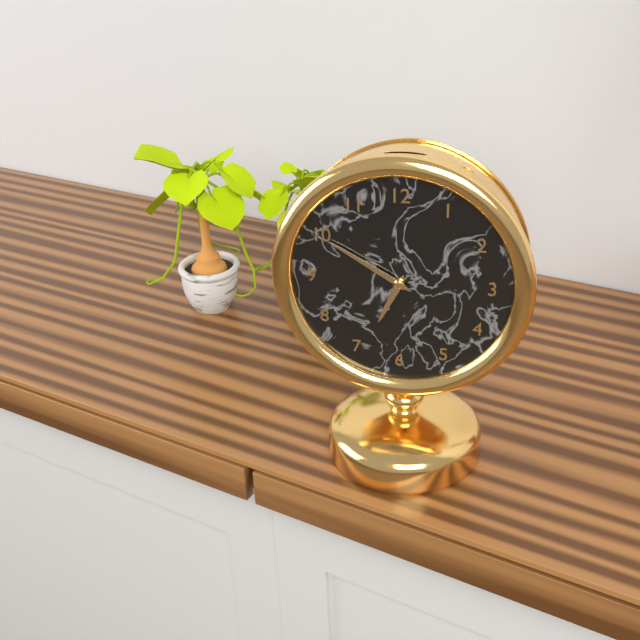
6.50
